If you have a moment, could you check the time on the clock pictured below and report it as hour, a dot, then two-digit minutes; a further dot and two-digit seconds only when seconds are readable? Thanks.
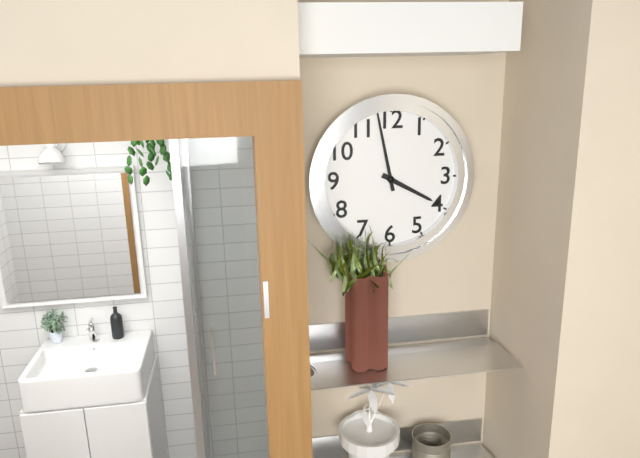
3.58
